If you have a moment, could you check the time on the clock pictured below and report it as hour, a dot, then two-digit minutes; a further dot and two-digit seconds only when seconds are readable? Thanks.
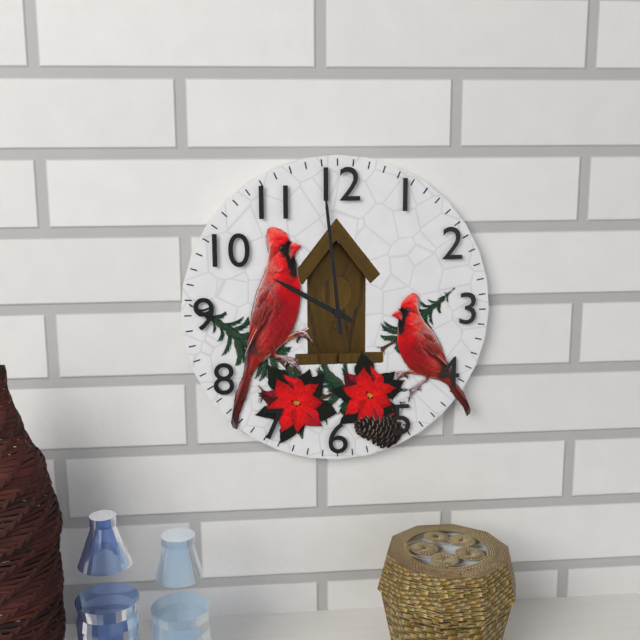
9.59
